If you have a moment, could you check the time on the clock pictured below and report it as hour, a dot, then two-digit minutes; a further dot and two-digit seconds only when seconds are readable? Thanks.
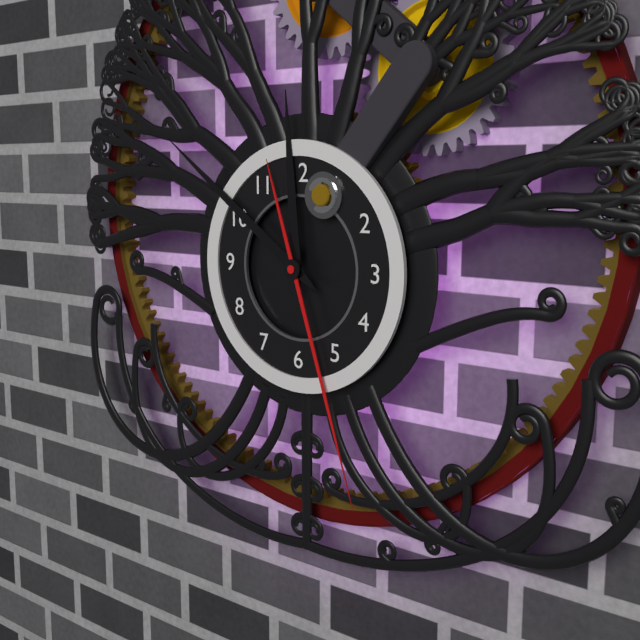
11.51.27
